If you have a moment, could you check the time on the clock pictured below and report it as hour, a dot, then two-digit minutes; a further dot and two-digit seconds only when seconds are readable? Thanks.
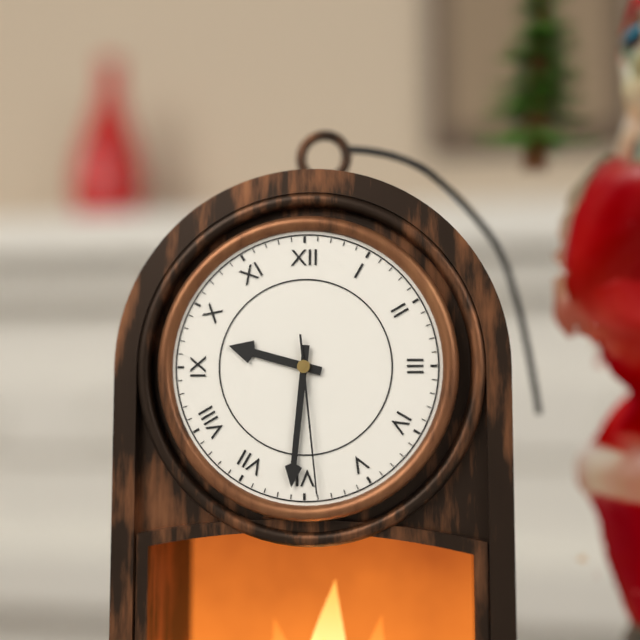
9.31.29
